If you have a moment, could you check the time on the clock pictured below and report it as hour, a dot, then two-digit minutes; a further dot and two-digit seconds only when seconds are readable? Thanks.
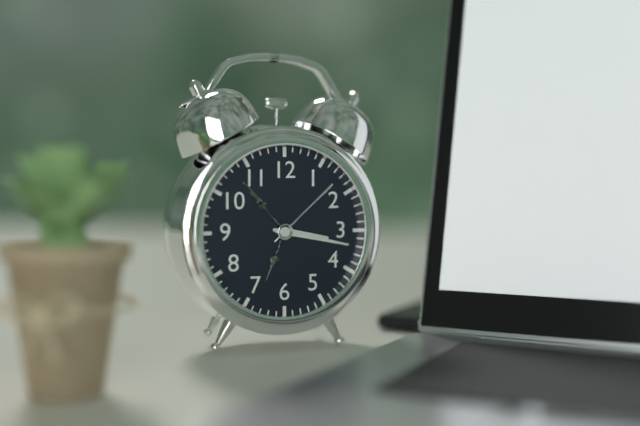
3.17
